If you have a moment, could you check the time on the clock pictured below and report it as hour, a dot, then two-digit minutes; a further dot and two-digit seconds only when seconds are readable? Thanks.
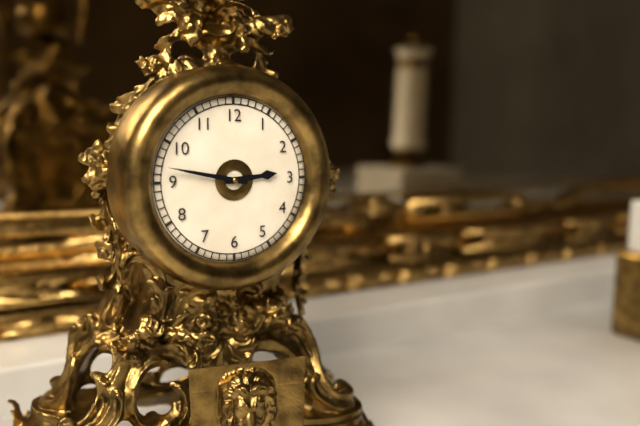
2.47
